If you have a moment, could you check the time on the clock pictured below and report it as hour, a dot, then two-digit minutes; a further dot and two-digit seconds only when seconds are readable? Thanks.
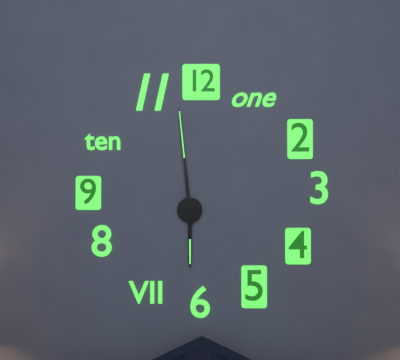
5.59
